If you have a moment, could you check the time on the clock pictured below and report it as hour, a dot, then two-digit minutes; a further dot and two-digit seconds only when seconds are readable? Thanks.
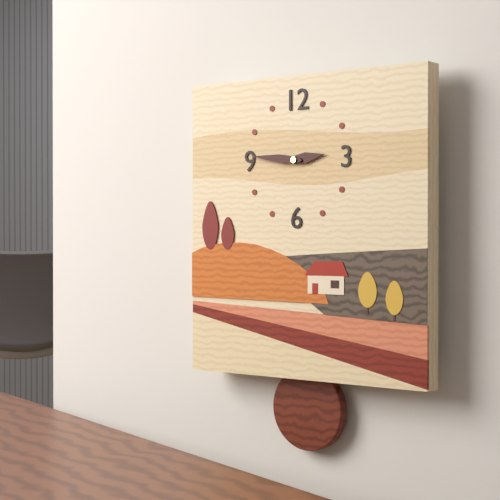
2.46
